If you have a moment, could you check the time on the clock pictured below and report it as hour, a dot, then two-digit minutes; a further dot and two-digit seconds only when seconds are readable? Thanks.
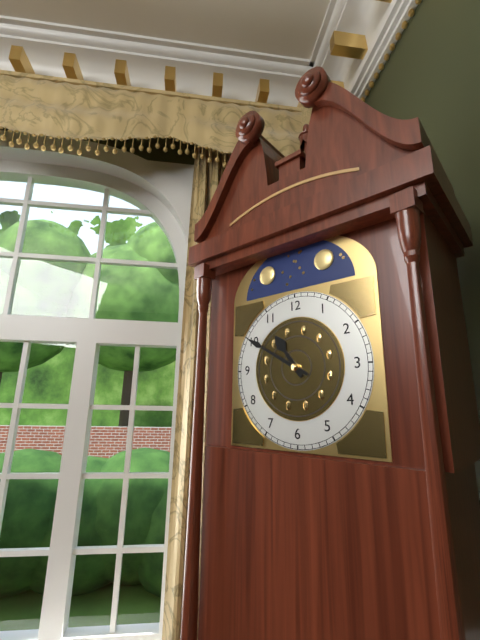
10.50
